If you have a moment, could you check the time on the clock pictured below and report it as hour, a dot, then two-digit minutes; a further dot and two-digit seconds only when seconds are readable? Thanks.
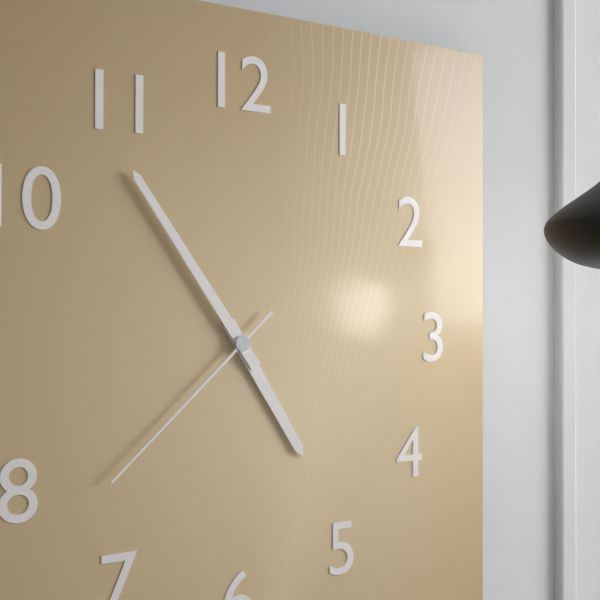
4.54.38
